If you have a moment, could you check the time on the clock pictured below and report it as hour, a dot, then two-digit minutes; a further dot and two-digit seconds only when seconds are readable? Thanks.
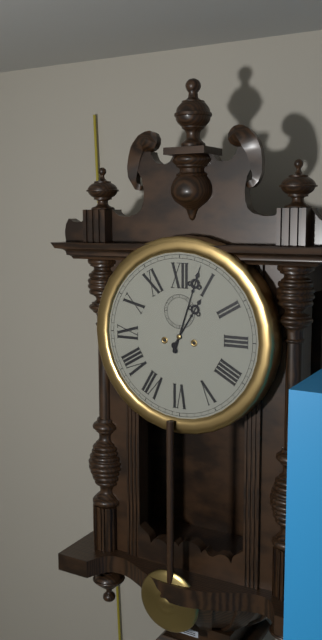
1.03
